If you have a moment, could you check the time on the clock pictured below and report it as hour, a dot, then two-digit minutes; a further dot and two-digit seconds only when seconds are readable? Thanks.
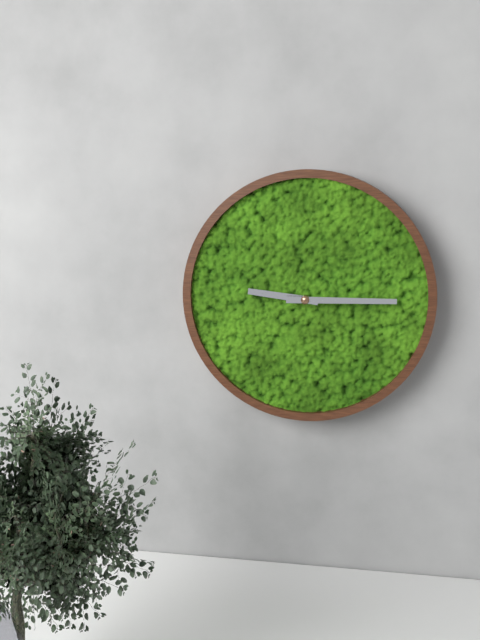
9.15
